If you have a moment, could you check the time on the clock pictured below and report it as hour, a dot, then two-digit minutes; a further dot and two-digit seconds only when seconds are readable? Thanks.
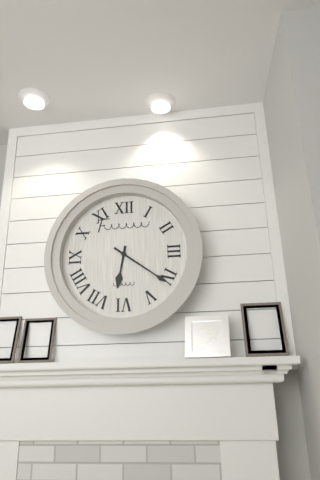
6.21
